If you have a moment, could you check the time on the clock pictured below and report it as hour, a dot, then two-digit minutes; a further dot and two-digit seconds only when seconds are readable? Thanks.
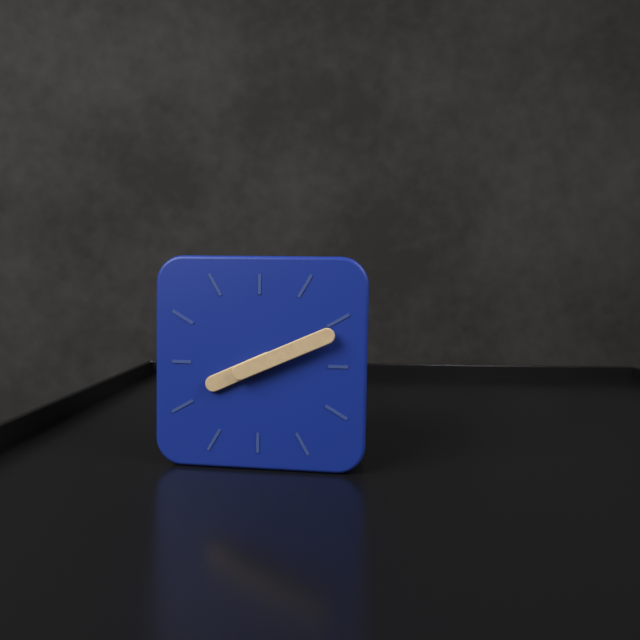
8.11
